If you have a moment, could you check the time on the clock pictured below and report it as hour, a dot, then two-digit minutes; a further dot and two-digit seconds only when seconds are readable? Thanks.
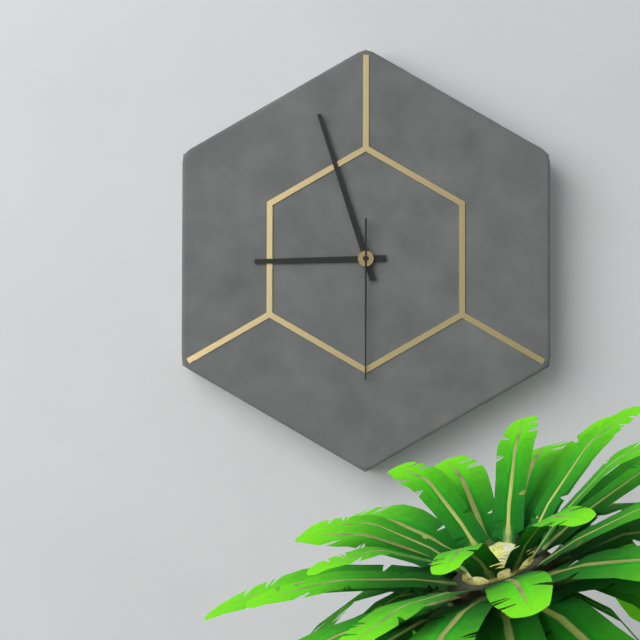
8.57.30
